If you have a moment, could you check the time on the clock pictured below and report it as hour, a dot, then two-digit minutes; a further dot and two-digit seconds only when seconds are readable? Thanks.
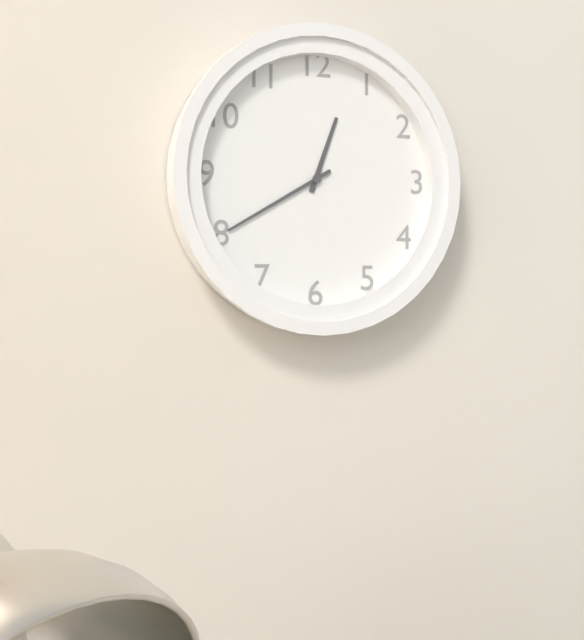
12.40
